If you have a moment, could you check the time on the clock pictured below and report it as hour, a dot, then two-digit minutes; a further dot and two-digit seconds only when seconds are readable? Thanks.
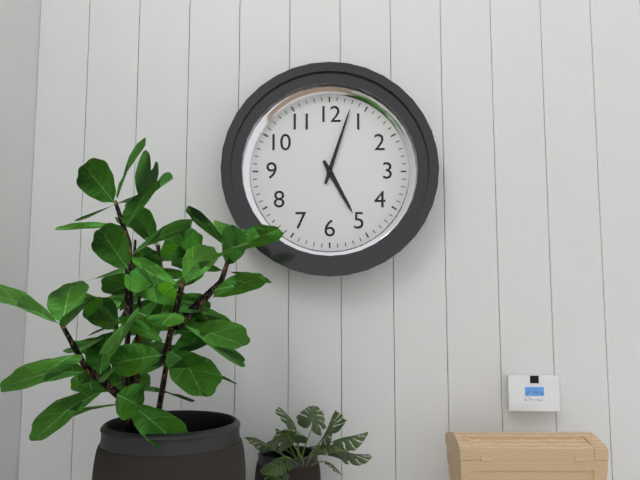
5.03
